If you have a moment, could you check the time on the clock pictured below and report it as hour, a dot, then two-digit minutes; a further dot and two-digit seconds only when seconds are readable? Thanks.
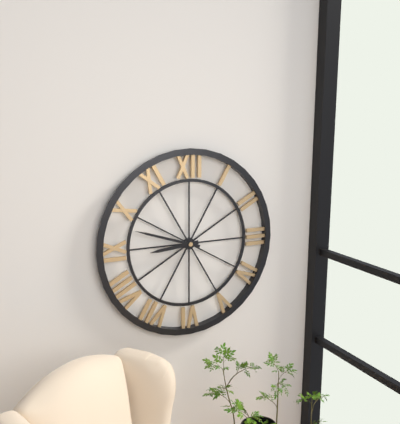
8.48
